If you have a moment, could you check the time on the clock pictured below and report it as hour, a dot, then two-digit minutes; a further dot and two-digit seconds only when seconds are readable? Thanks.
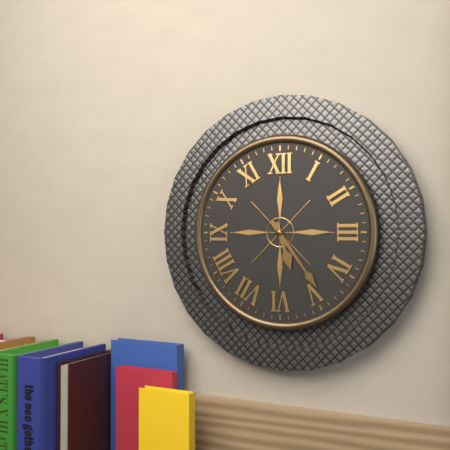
5.24
